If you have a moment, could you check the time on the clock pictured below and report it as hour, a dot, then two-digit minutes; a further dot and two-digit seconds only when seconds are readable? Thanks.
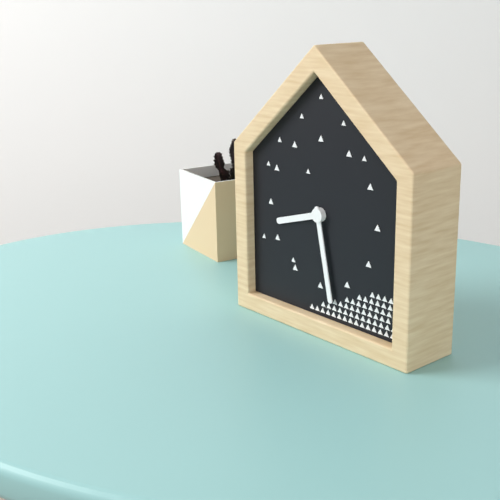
8.28
